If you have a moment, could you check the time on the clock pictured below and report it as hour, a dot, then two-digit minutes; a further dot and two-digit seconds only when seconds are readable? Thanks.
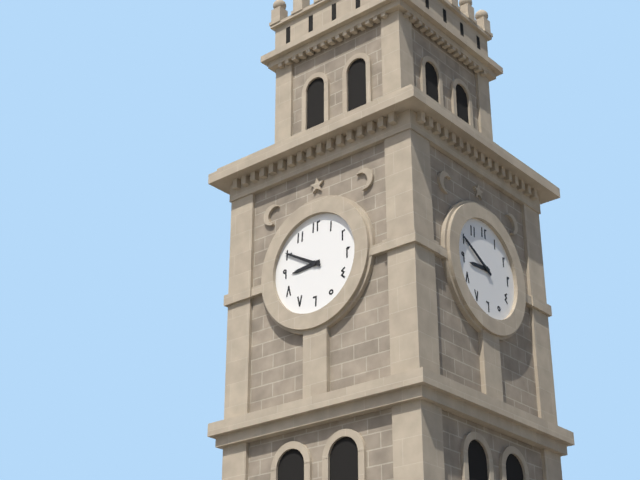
8.50
